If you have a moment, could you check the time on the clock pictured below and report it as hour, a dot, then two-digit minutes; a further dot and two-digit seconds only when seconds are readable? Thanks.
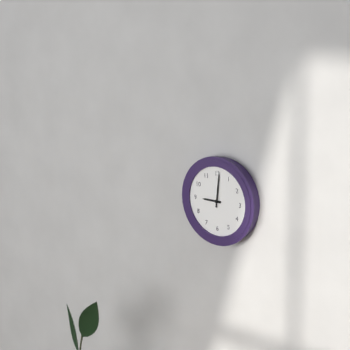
9.01
